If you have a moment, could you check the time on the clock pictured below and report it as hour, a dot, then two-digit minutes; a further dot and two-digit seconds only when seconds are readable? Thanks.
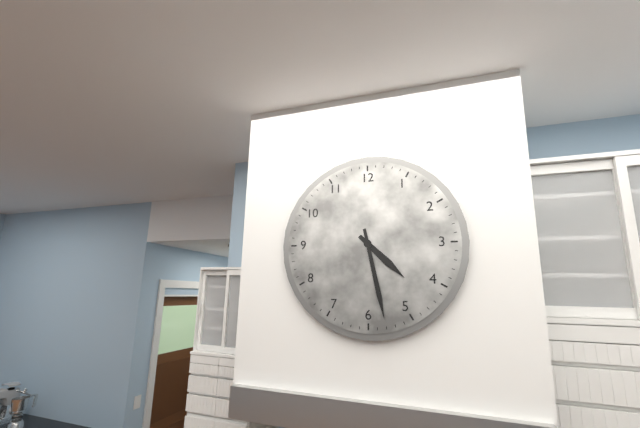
4.28
